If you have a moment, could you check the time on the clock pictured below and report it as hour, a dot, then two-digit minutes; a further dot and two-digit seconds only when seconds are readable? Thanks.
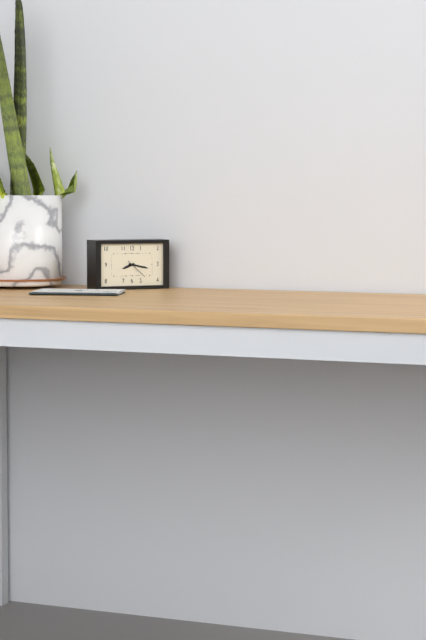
8.17
